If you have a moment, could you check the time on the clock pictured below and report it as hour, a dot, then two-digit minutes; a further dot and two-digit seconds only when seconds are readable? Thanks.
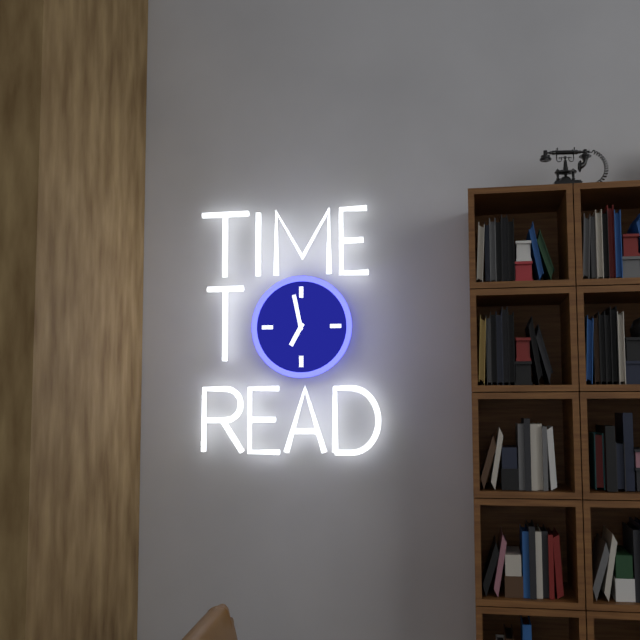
6.58
